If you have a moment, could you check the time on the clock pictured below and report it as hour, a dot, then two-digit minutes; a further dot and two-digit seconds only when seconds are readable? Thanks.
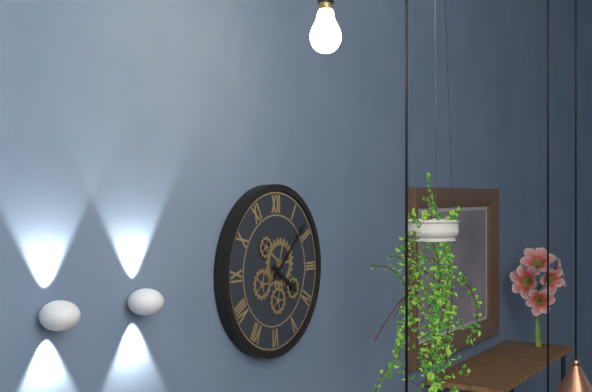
4.08
